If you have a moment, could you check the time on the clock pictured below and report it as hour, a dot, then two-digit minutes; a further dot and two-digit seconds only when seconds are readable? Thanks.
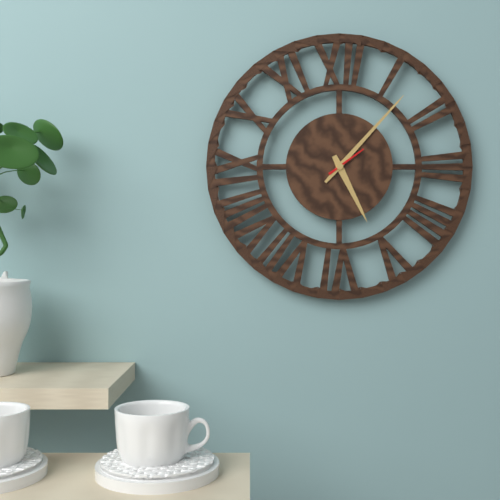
5.07
